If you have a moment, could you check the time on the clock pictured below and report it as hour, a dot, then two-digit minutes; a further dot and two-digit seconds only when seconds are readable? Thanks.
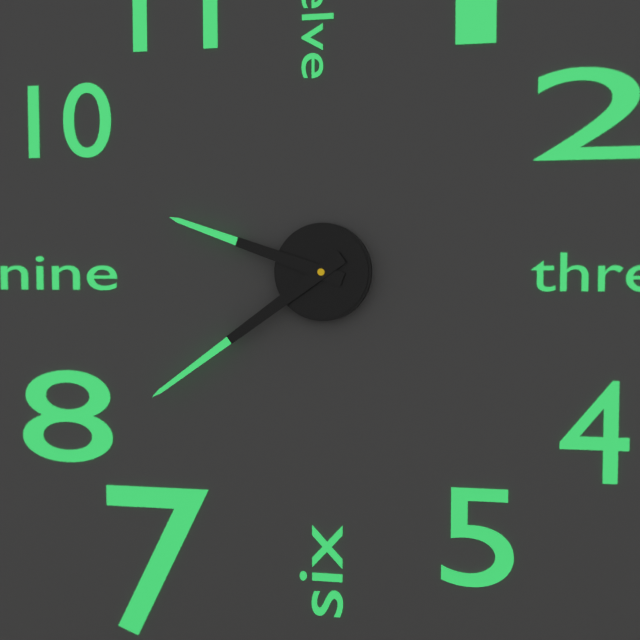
9.39
